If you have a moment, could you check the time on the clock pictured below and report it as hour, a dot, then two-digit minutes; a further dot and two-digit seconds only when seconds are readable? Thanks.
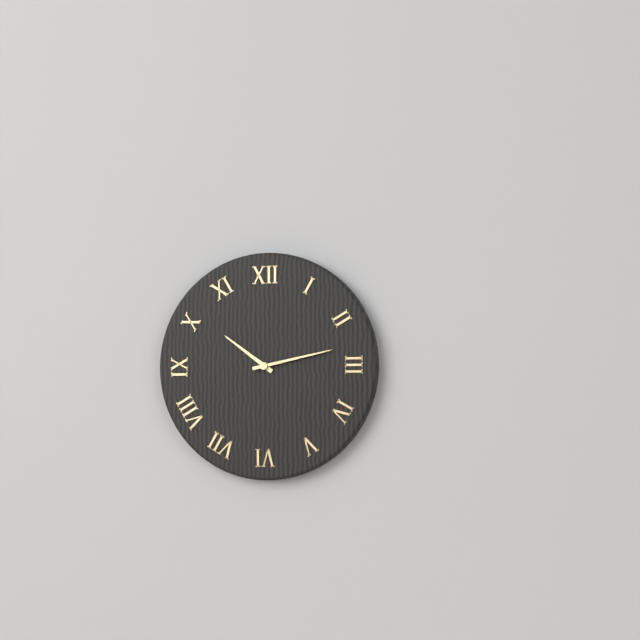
10.13
